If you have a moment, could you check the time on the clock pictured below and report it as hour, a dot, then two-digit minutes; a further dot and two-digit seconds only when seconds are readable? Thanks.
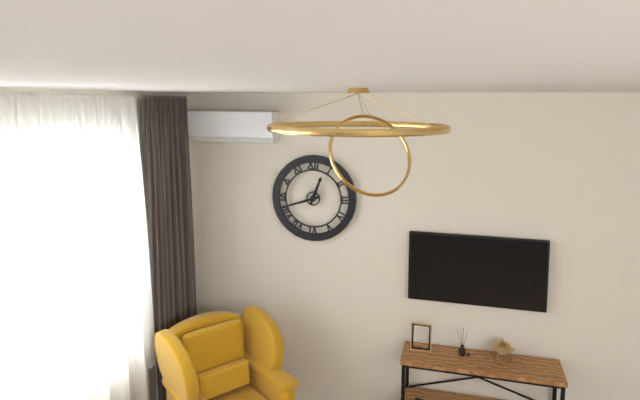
12.42
